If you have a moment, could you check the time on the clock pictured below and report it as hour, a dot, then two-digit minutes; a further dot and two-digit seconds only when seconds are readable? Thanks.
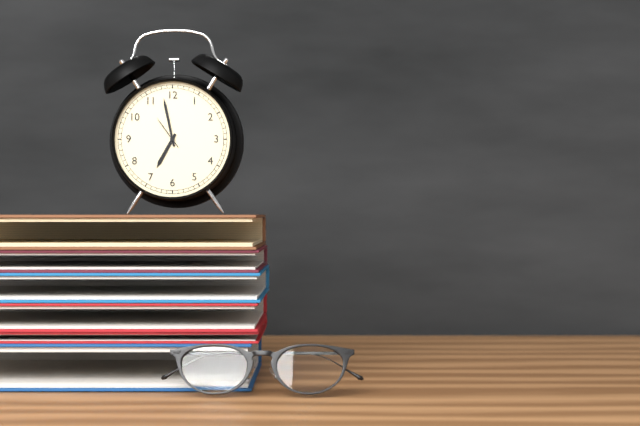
6.58
